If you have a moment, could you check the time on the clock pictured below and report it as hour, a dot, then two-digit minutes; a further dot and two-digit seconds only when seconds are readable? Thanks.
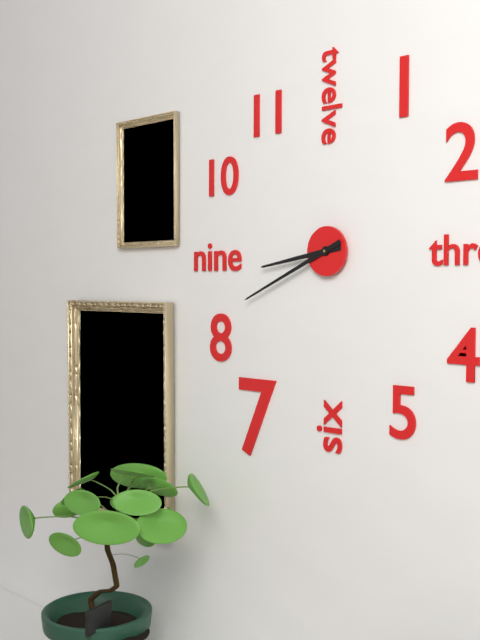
8.41
